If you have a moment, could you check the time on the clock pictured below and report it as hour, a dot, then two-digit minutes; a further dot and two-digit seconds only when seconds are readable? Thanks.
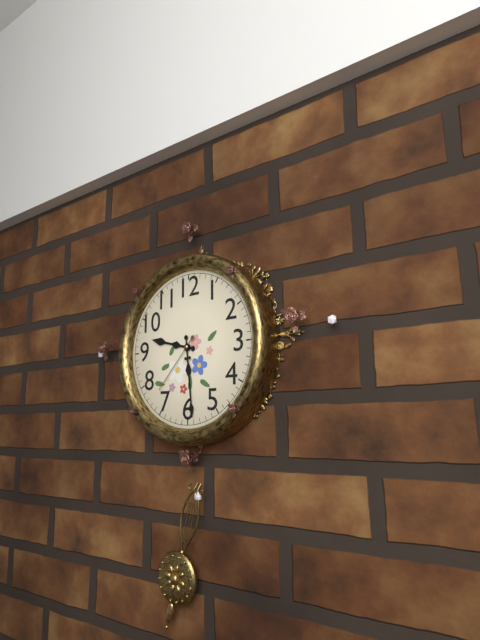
9.29.37
